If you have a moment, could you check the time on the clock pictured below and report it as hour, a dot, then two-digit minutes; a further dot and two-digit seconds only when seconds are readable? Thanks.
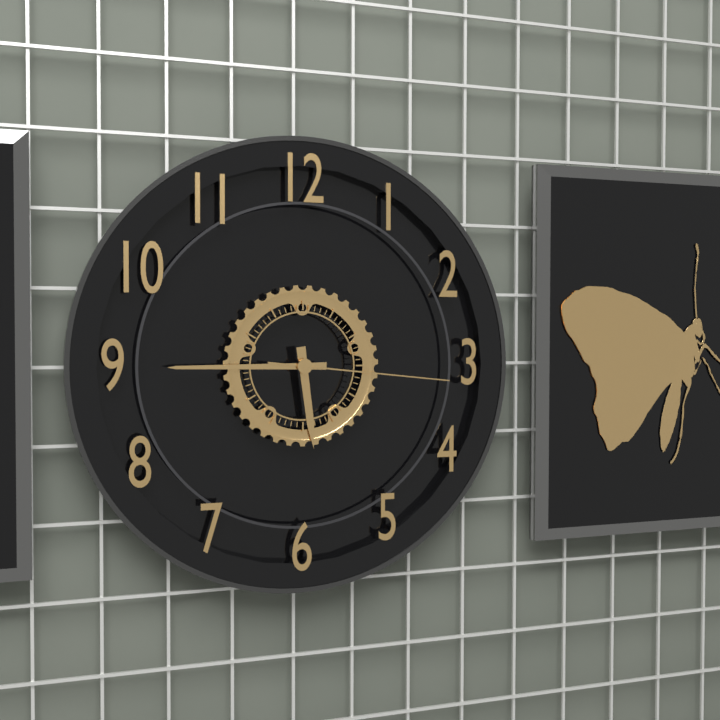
5.45.16
